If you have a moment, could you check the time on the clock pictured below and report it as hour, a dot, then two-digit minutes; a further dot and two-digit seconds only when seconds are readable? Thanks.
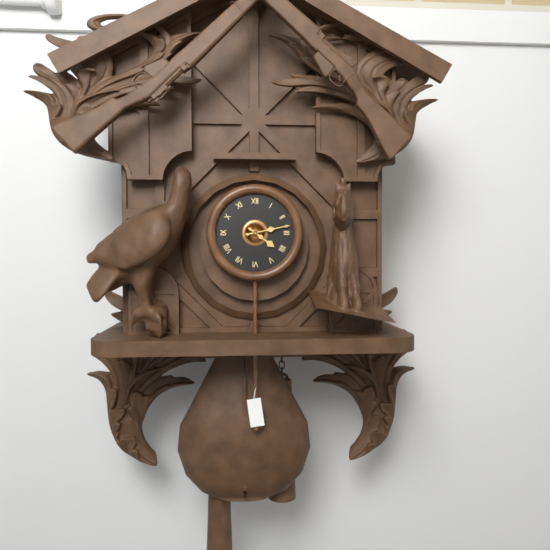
4.13
